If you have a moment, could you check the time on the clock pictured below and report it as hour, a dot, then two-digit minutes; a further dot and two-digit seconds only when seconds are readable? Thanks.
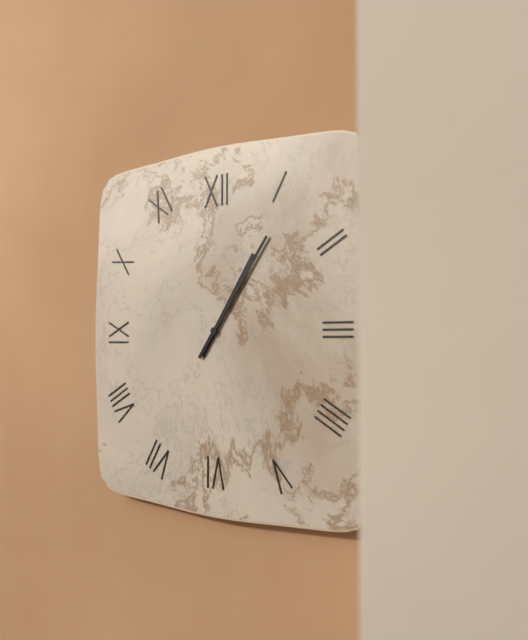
1.06
